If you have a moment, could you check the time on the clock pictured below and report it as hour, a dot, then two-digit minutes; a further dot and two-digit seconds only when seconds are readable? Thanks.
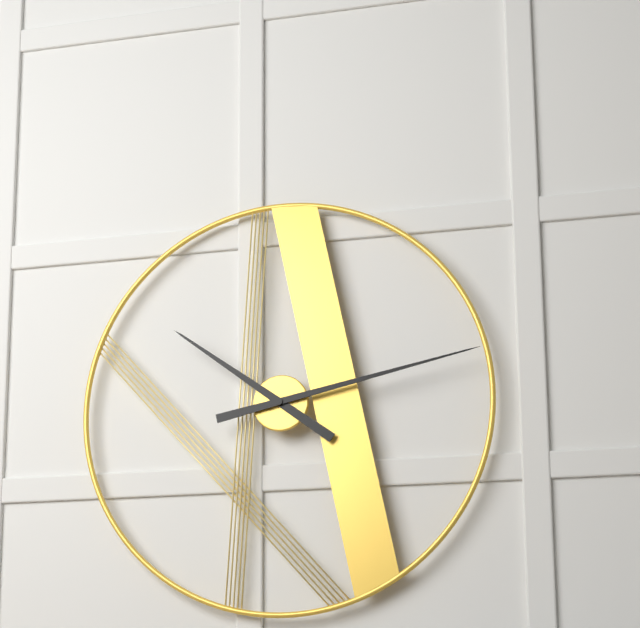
10.13
